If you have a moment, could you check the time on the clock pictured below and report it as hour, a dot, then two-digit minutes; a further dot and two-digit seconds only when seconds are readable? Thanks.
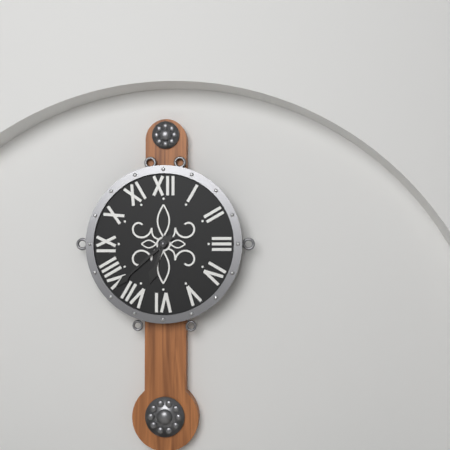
6.38
